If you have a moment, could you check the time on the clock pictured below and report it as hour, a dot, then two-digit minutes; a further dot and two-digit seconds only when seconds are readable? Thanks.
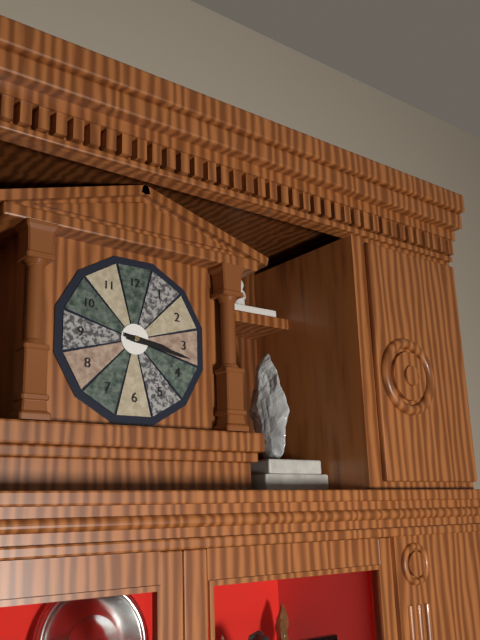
3.17
